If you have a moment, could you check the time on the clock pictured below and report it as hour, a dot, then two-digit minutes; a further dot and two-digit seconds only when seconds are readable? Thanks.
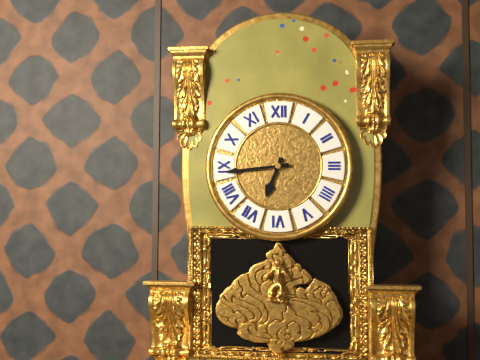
6.44
